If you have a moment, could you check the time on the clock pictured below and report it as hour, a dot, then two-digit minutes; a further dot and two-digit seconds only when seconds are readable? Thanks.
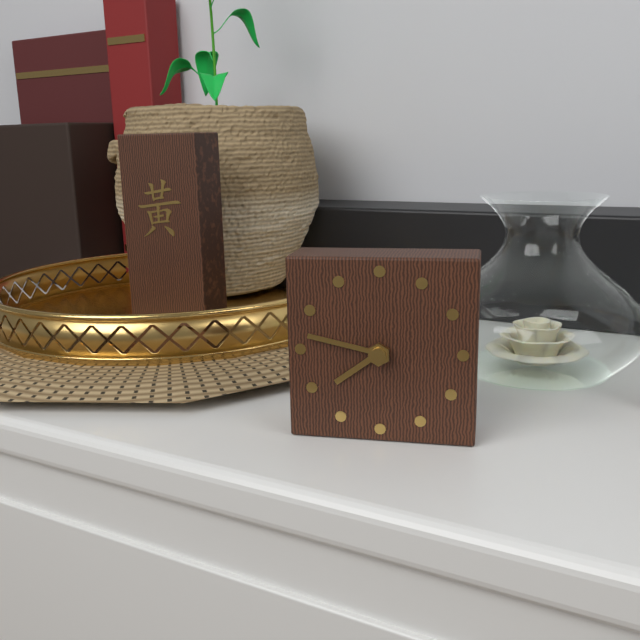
7.47
